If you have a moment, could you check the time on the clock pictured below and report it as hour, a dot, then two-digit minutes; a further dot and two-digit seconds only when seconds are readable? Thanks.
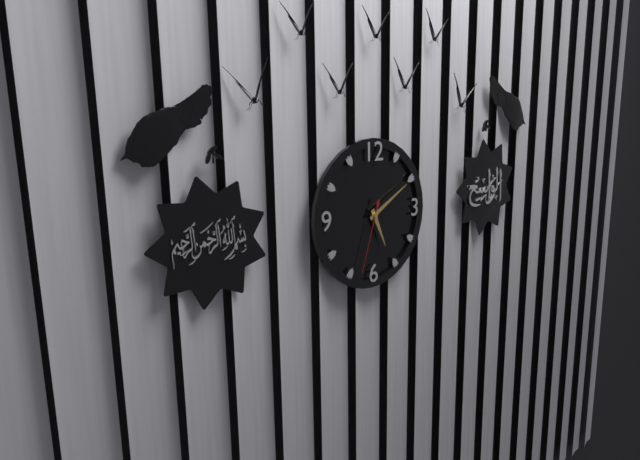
5.10.33
